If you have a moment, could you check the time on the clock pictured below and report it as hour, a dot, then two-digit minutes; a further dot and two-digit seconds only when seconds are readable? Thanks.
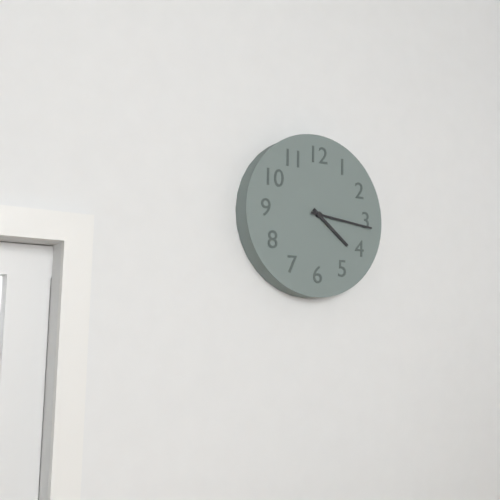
4.16
